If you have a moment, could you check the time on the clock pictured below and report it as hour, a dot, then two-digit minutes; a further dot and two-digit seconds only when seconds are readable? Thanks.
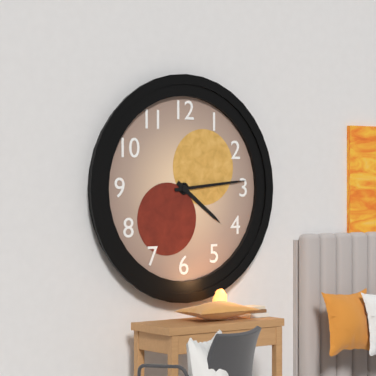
4.14
